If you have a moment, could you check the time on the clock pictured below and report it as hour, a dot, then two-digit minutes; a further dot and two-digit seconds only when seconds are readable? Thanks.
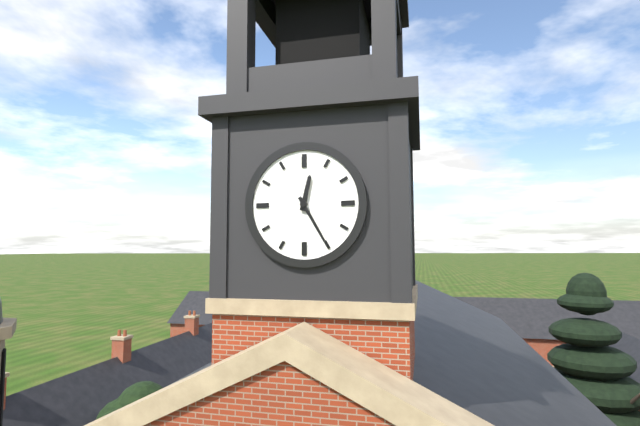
12.25
